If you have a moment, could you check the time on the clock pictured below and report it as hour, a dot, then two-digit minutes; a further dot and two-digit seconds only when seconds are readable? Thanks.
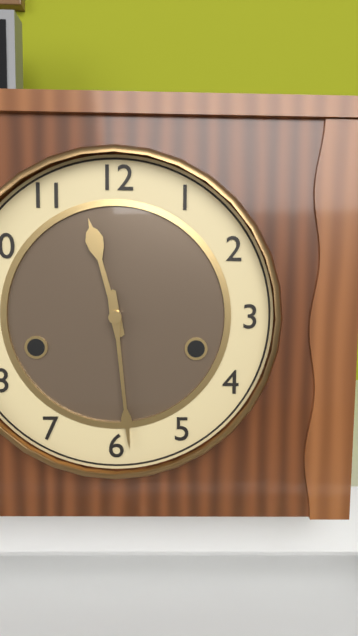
11.29
